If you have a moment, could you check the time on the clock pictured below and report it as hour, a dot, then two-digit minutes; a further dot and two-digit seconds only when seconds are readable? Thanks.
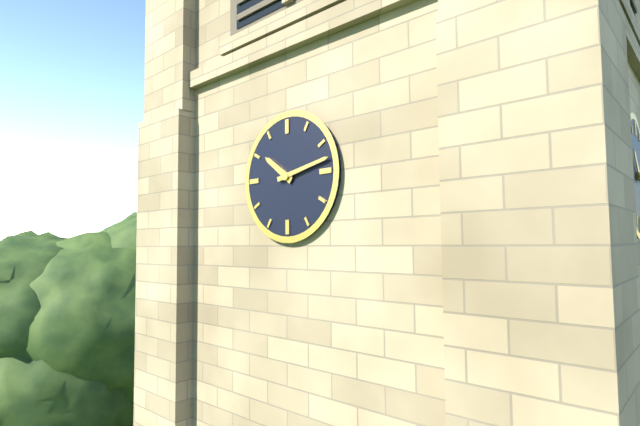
10.13
